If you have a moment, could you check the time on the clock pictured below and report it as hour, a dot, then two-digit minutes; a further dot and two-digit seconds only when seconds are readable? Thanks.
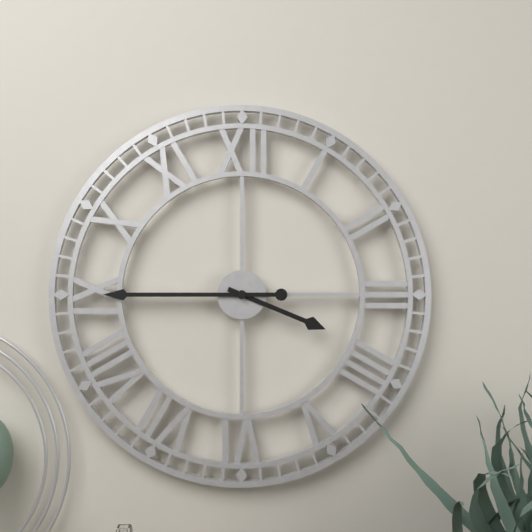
3.45
